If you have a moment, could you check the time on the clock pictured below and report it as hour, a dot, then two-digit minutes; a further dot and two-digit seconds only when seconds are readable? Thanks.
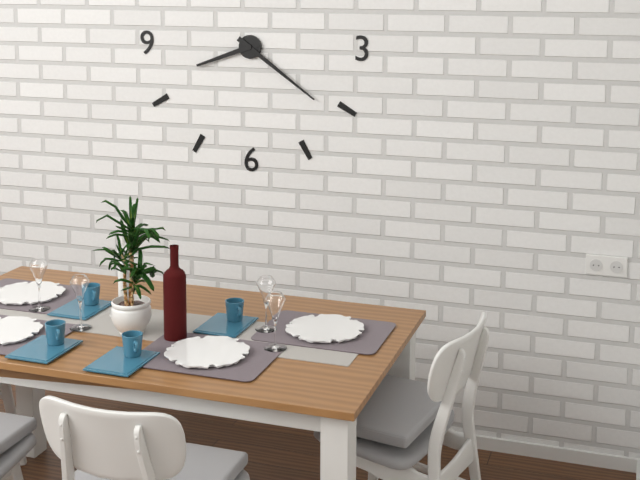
8.21
